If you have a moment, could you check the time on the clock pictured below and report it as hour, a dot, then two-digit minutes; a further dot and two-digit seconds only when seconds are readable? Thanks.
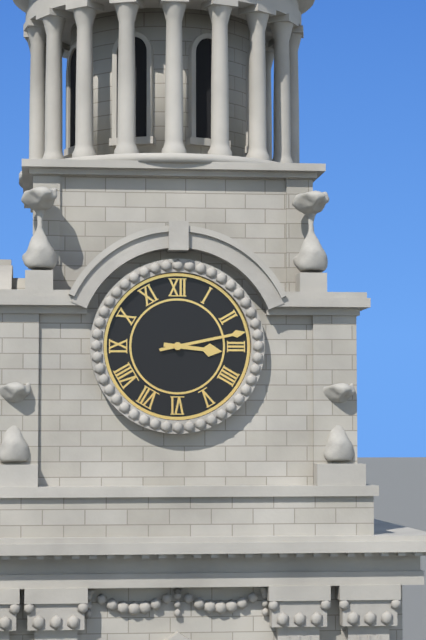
3.13
